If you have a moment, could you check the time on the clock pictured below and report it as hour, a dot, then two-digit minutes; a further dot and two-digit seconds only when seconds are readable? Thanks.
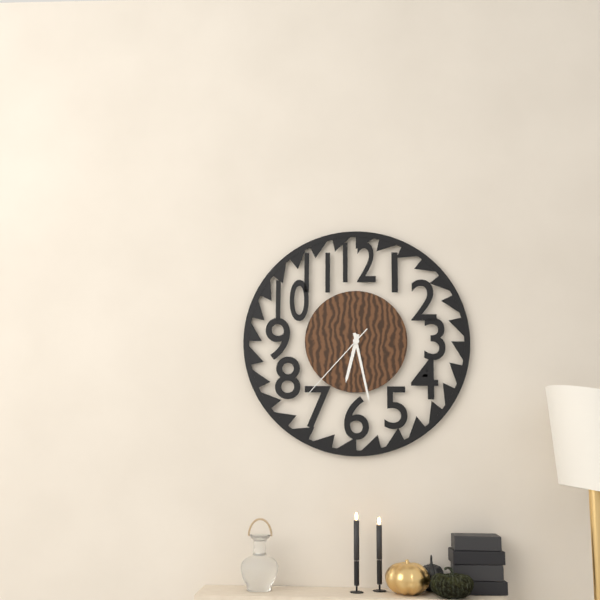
6.28.37
